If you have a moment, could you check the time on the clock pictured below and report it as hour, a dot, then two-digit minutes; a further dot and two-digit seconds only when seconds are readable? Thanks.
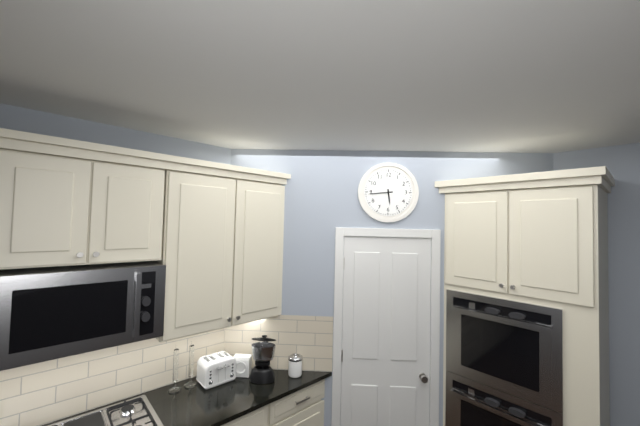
5.44
